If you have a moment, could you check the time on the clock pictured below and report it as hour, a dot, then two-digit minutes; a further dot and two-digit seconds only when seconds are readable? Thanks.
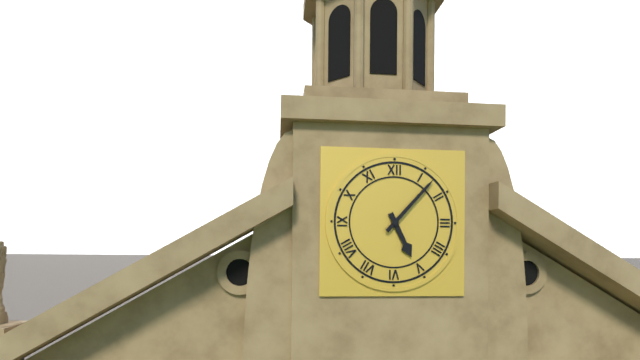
5.07
